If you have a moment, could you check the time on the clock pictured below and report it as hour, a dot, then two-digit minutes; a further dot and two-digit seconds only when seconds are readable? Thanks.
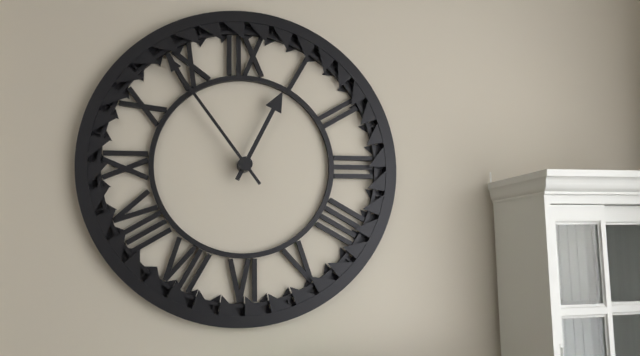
12.54
